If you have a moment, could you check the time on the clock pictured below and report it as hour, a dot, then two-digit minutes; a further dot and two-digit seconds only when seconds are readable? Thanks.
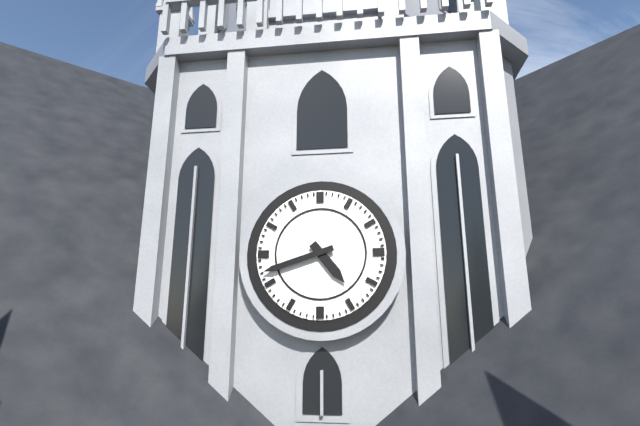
4.42
